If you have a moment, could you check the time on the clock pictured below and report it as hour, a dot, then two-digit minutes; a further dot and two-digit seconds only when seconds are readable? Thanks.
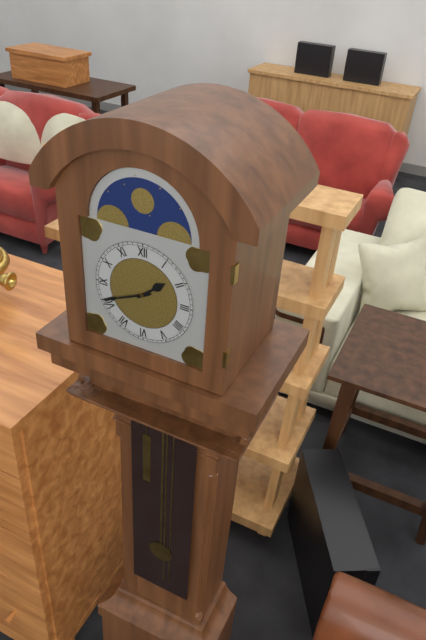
1.41
